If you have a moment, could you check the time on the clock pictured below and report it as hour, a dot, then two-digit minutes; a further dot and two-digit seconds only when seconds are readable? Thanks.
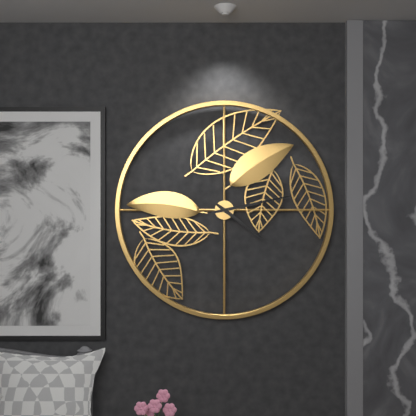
4.13
